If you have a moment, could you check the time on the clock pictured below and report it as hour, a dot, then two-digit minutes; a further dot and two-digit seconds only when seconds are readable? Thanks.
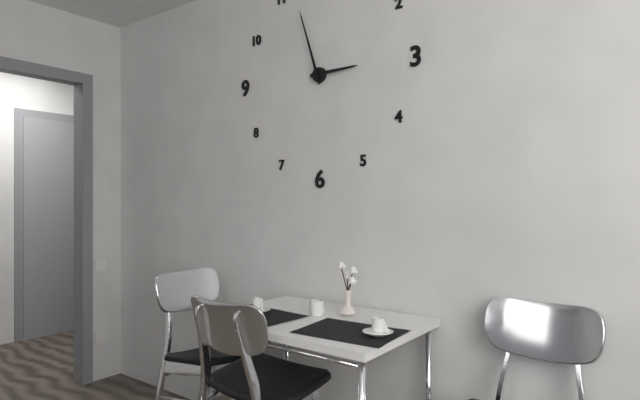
2.57
